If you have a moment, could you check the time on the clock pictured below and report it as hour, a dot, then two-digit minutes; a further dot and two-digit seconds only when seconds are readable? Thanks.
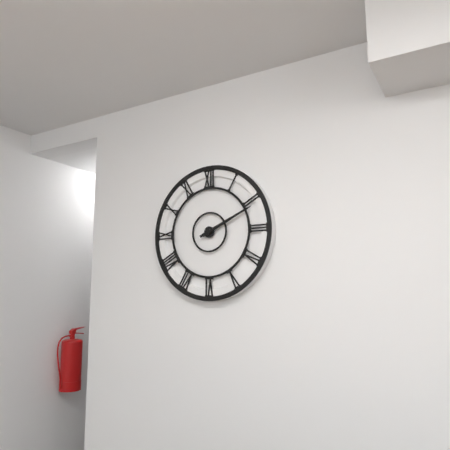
2.11
